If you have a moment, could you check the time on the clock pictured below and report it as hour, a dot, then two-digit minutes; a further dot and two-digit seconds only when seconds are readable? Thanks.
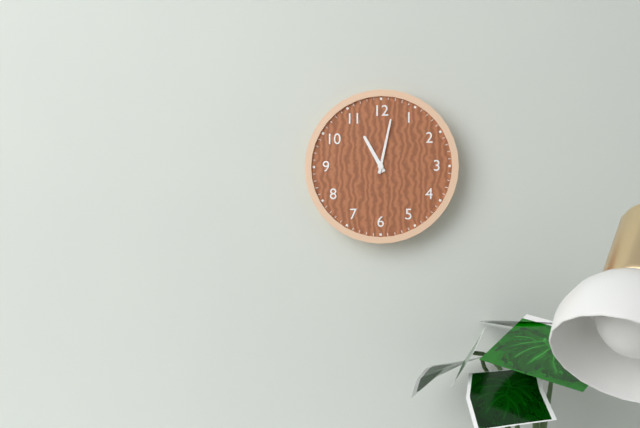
11.02
